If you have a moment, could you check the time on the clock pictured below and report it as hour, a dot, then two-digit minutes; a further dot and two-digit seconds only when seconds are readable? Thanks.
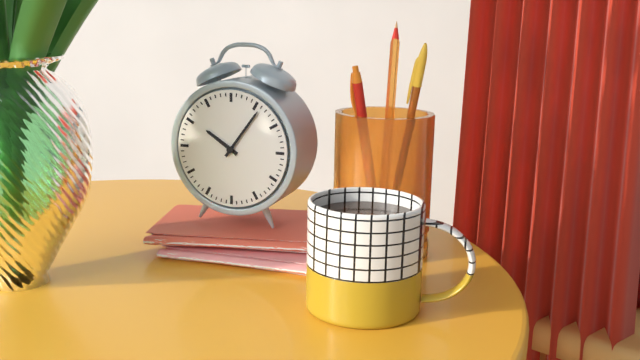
10.06
